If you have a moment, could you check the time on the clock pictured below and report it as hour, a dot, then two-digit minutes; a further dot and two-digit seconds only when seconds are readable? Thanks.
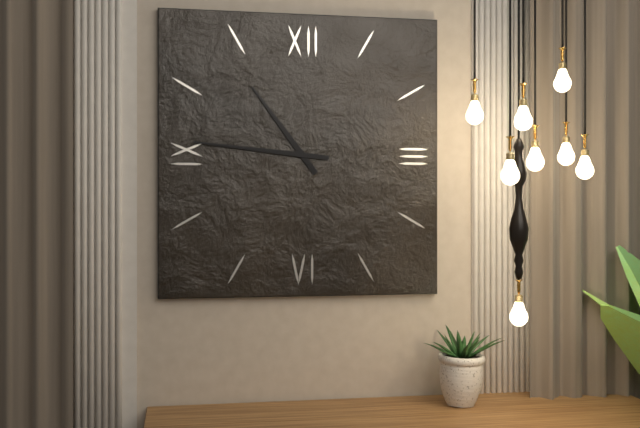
10.46
